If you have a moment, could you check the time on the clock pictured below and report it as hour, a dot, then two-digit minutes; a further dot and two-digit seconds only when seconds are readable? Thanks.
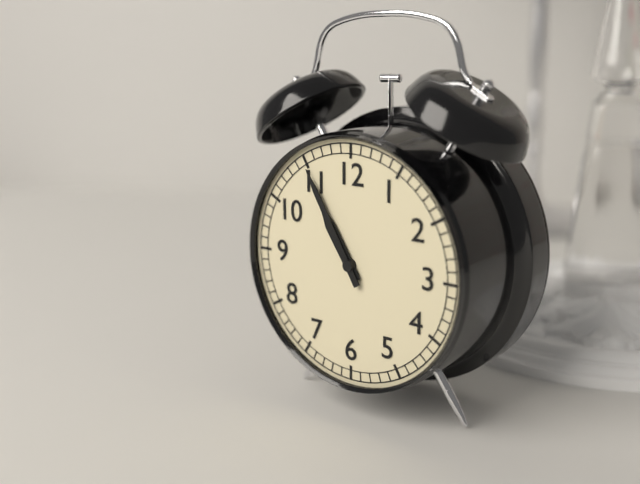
10.55
